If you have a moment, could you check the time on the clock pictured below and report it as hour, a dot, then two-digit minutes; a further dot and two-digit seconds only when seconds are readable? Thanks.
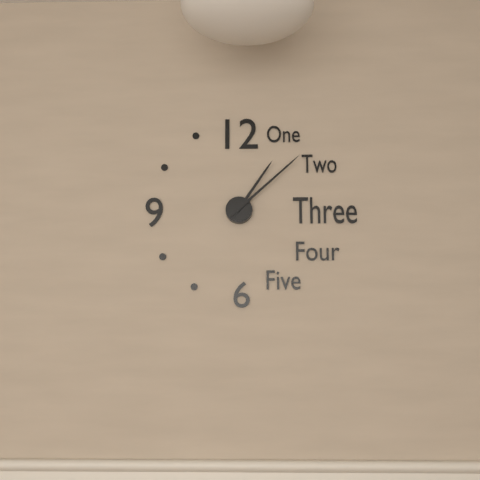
1.08
